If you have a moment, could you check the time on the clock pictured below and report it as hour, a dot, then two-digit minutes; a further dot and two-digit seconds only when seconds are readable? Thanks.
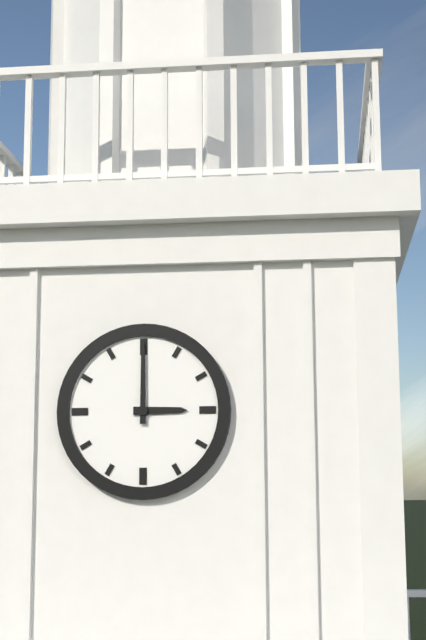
3.00
